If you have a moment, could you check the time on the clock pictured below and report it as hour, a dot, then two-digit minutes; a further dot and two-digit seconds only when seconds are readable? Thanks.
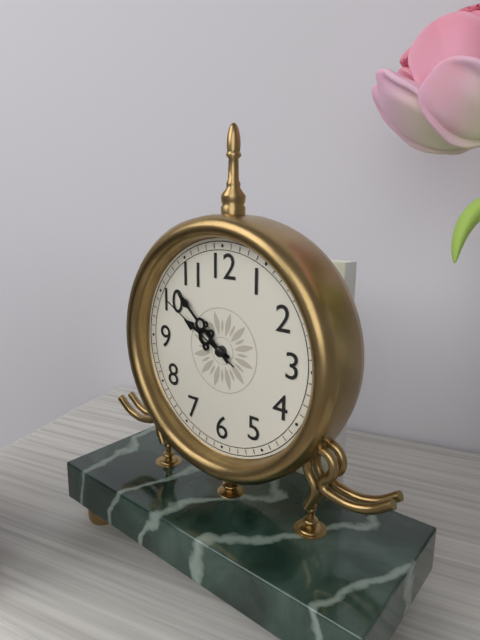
9.52.50
